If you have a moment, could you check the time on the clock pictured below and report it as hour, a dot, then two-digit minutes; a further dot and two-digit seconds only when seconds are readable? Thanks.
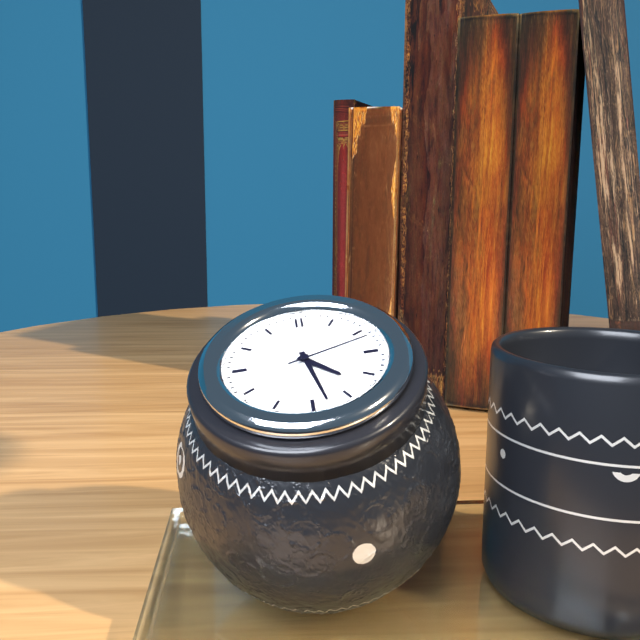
4.28.12
